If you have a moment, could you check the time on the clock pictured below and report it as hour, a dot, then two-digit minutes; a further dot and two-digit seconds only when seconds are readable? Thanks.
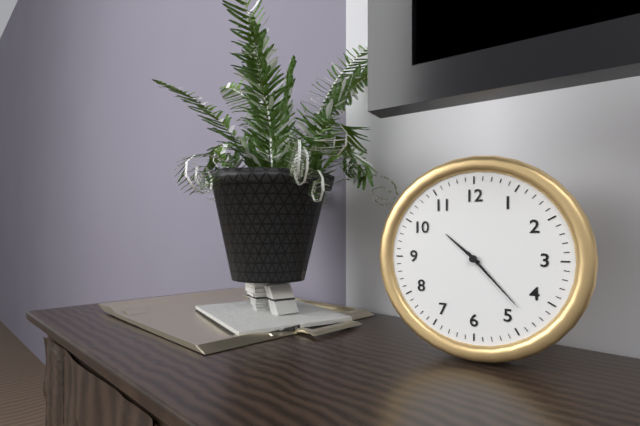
10.23
